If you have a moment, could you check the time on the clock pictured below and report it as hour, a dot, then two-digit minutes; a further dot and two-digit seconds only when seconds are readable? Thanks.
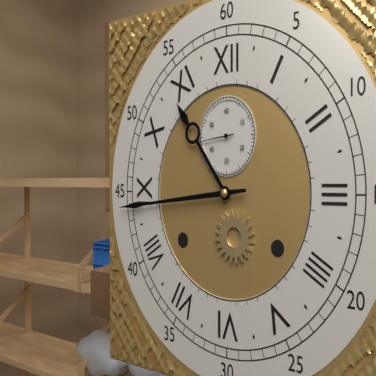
10.44
